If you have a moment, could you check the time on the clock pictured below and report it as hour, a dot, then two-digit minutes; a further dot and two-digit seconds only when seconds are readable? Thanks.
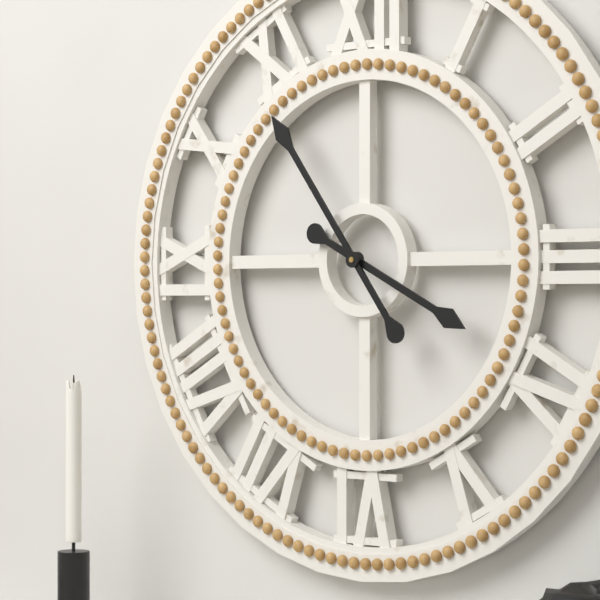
3.54
